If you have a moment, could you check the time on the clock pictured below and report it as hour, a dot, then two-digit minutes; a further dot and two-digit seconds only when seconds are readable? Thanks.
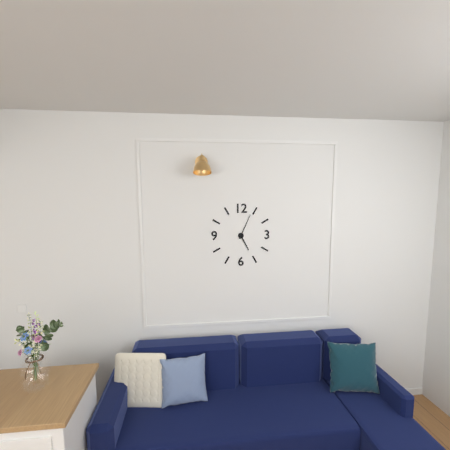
5.04
